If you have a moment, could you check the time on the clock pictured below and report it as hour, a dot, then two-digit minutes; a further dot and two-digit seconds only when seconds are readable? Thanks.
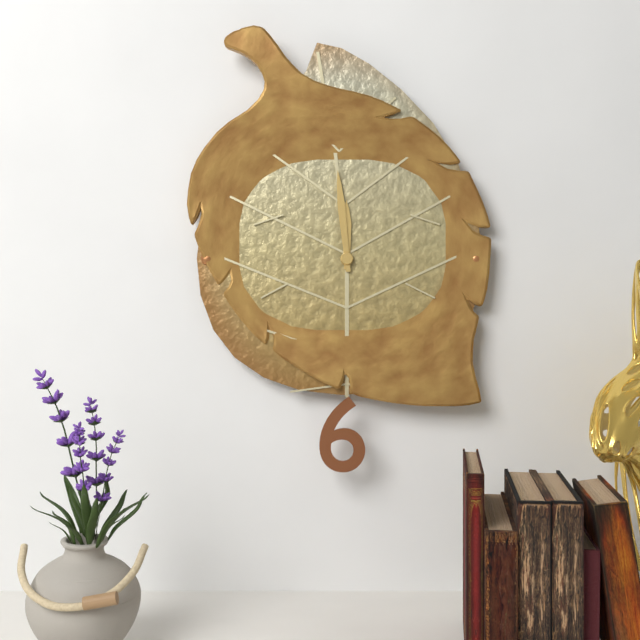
11.59
